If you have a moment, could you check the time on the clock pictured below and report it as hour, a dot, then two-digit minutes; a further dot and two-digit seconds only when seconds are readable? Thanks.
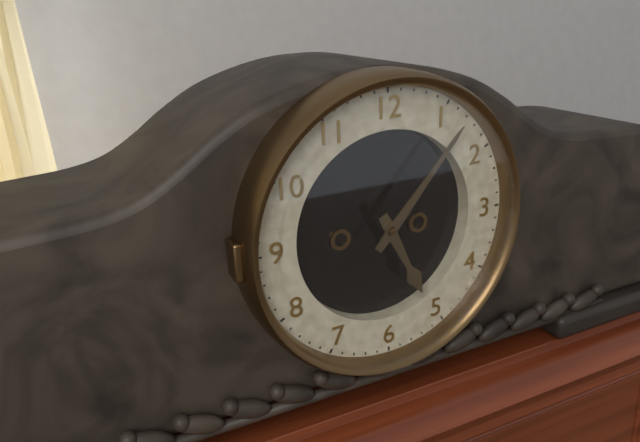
5.07
